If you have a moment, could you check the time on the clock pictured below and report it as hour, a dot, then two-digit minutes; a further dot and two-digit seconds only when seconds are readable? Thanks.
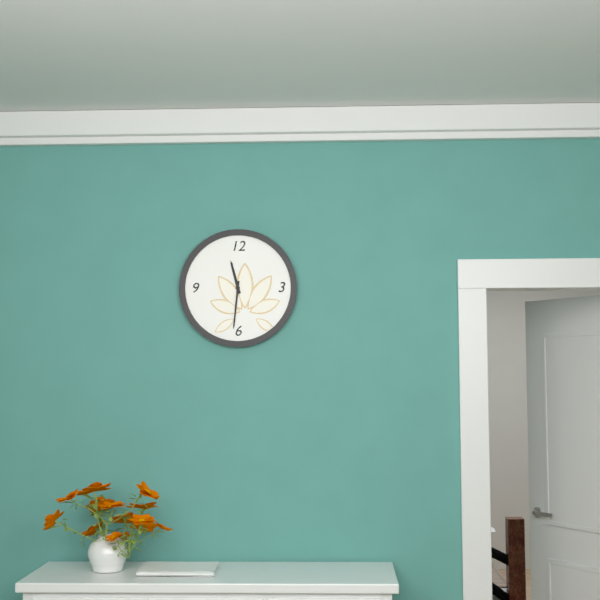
11.31
